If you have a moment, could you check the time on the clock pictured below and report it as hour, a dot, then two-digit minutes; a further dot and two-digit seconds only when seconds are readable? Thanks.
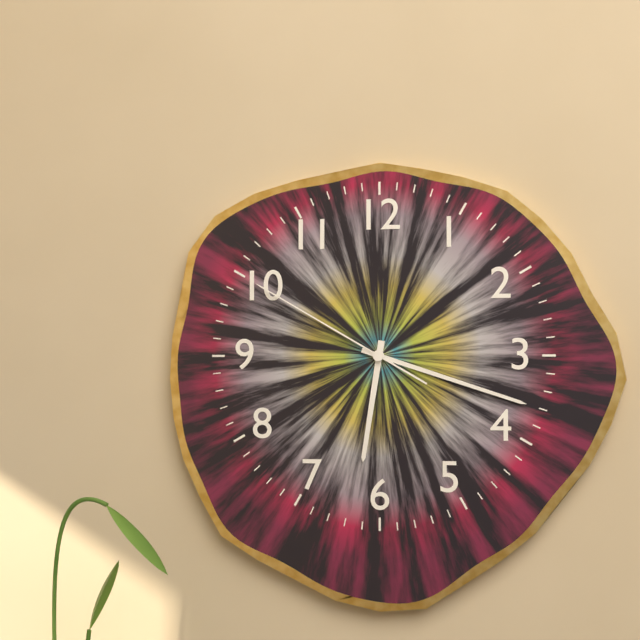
6.18.50
